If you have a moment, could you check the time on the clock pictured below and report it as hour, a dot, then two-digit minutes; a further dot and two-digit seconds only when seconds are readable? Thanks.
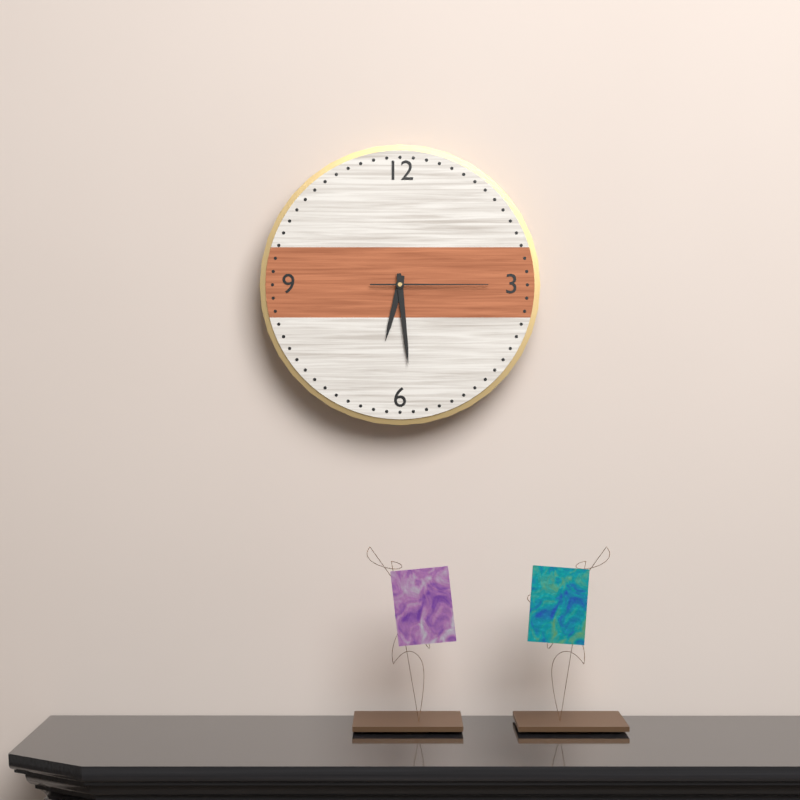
6.29.15
